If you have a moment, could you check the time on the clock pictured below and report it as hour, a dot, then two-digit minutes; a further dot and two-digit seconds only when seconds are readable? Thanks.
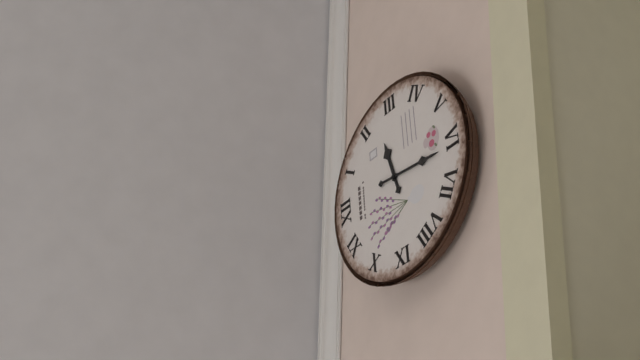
2.31
